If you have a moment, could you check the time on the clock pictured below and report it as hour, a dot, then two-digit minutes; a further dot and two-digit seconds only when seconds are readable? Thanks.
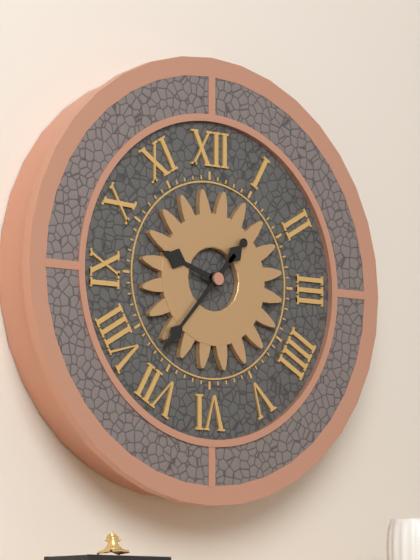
9.37
